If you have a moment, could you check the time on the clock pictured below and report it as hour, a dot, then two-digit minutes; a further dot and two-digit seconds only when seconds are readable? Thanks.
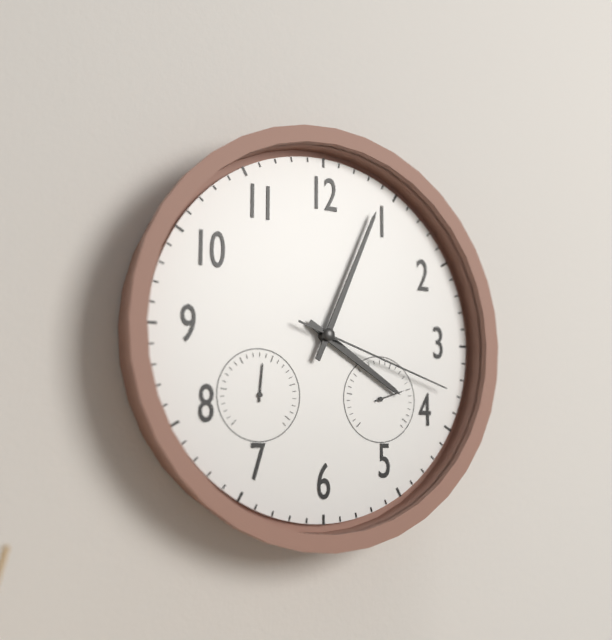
4.04.18
